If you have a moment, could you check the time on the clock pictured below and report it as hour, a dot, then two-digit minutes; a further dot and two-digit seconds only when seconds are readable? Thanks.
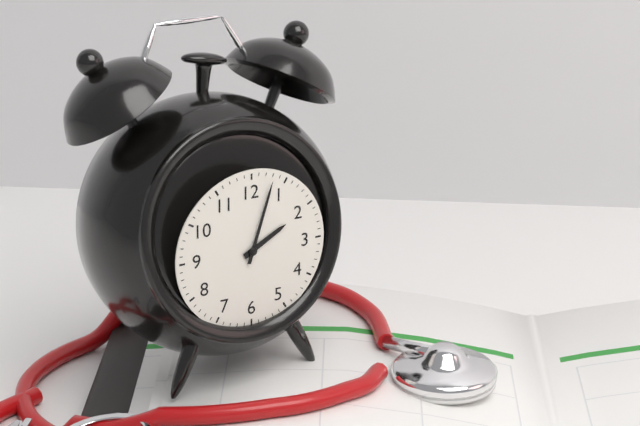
2.03
